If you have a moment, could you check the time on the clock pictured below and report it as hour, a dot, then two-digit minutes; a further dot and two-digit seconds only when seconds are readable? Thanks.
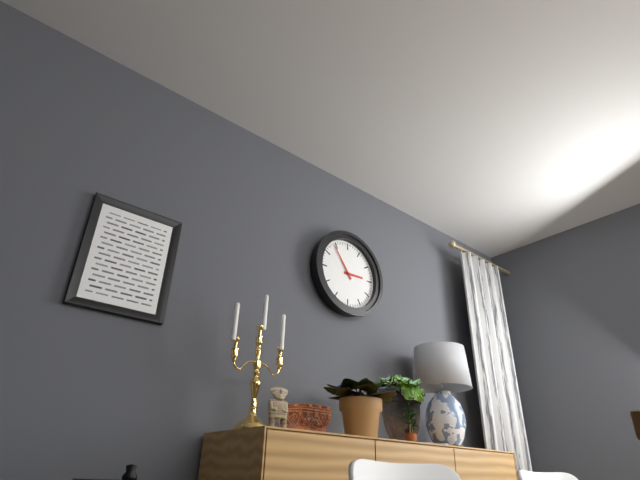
2.54
